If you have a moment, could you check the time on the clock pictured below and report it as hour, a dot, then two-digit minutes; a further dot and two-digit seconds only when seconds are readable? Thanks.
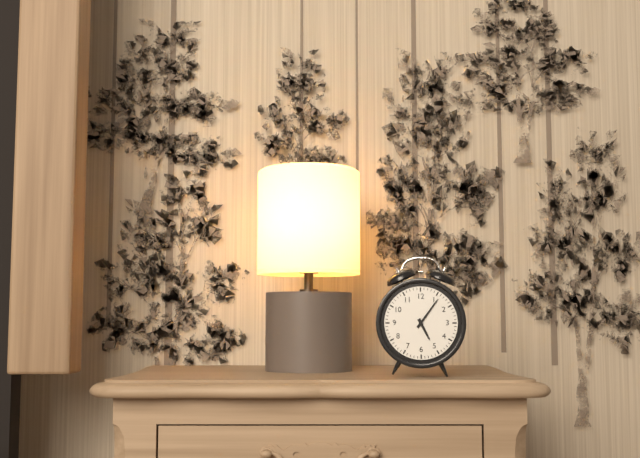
5.06
